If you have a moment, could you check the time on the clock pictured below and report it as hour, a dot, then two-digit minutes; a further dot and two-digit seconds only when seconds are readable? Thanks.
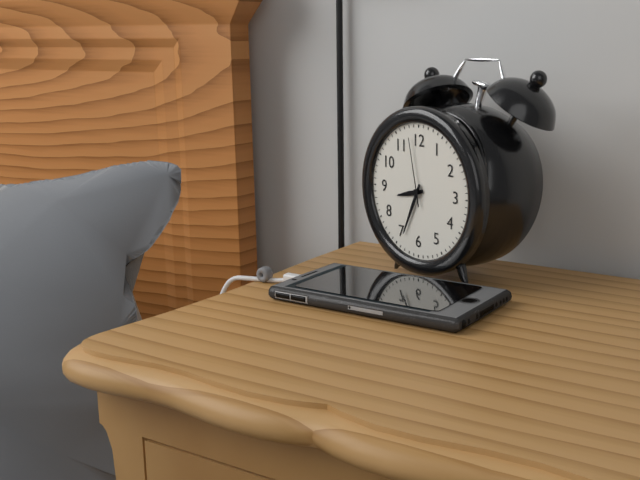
8.34.58
